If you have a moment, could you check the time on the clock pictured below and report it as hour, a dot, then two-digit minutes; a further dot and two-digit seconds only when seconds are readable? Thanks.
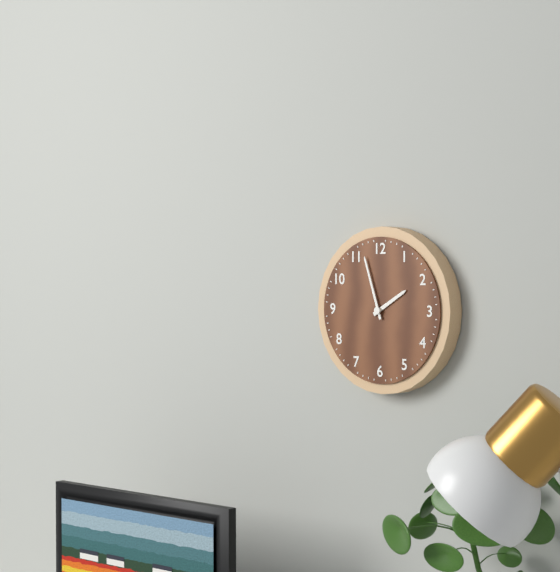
1.57
